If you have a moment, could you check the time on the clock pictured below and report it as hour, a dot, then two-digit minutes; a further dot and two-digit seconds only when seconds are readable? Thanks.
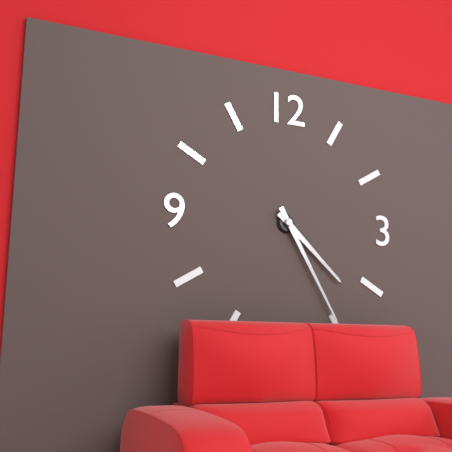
4.25
